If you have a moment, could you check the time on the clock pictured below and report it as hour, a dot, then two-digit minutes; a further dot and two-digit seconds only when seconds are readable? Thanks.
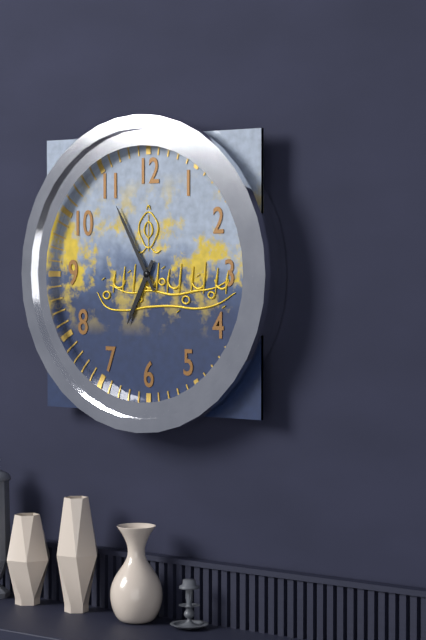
6.55
